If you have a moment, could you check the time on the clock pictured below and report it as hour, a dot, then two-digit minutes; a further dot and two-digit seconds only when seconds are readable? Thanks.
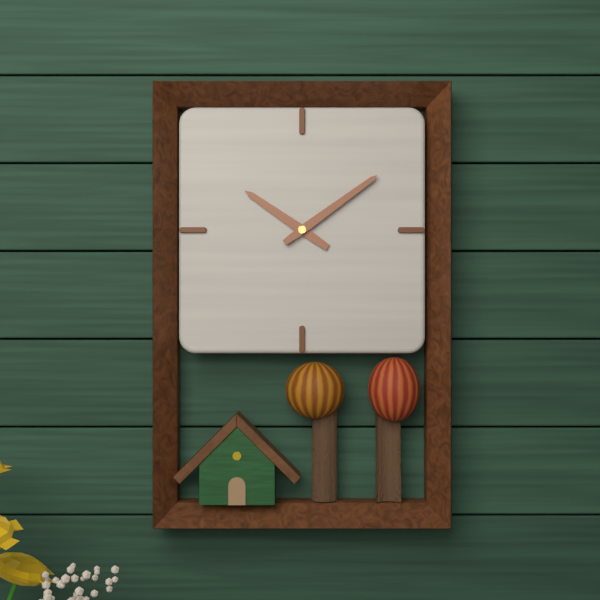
10.09
